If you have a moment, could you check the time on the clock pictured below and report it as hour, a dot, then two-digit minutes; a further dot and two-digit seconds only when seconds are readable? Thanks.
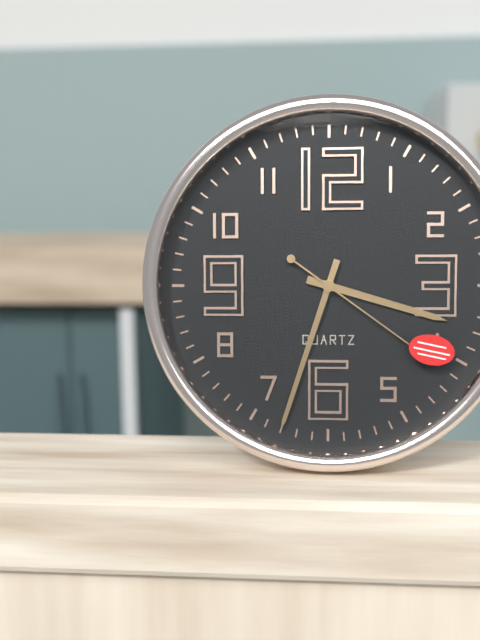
3.33.21
